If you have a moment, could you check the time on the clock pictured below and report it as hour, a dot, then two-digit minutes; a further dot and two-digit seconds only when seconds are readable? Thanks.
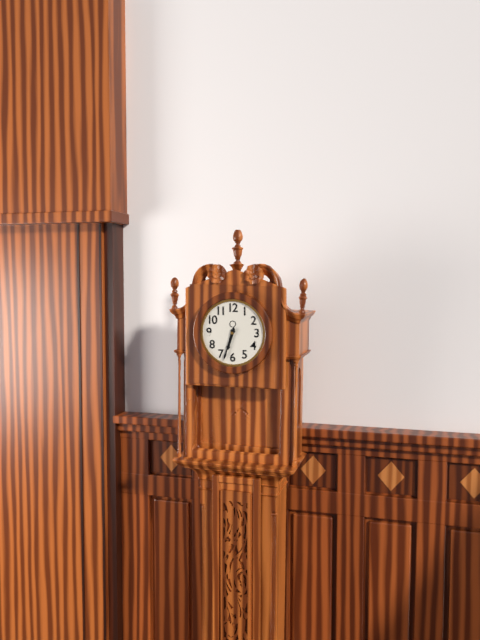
6.33
